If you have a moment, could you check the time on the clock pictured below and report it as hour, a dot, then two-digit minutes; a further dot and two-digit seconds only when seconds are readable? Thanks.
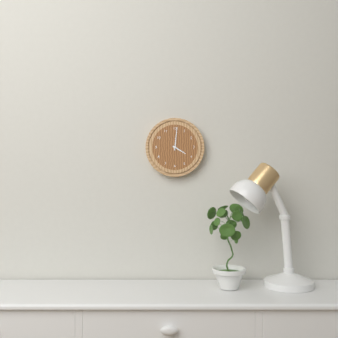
4.01
